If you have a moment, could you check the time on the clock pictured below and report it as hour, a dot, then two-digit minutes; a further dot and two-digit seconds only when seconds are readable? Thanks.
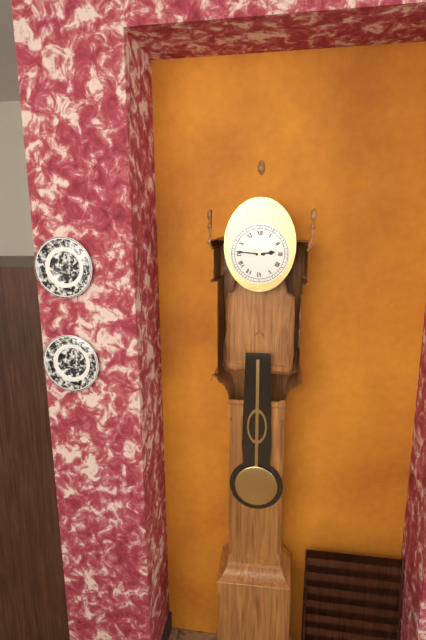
2.46
